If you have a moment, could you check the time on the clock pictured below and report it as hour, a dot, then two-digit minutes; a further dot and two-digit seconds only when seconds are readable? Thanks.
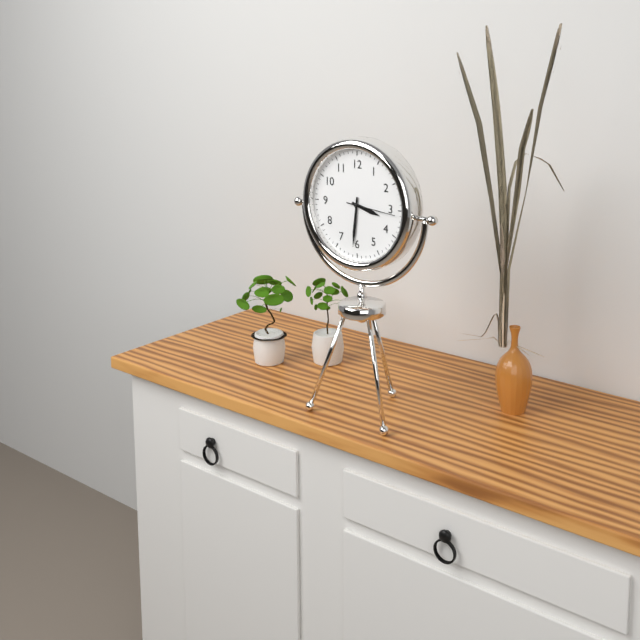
3.31
